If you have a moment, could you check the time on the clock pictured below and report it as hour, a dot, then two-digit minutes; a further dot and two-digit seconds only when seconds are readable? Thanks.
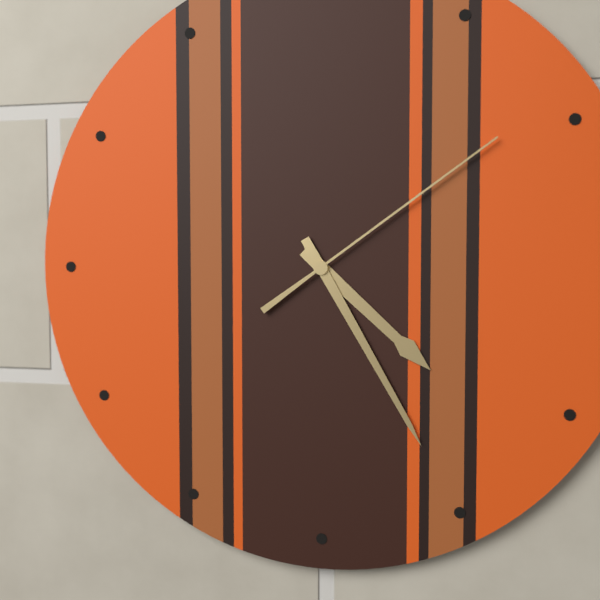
4.25.09
